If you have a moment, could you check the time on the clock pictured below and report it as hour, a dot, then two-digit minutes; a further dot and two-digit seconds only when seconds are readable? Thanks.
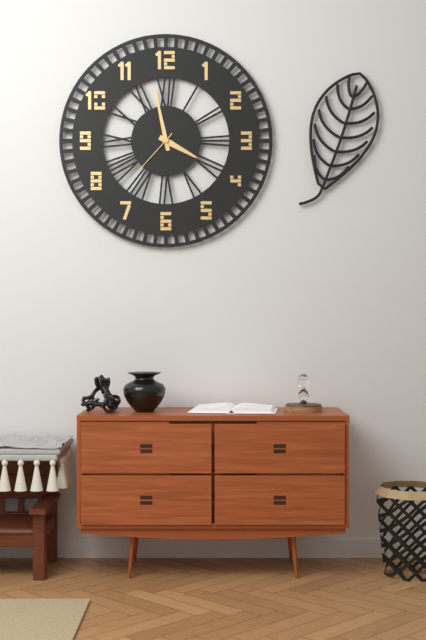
3.58.37
